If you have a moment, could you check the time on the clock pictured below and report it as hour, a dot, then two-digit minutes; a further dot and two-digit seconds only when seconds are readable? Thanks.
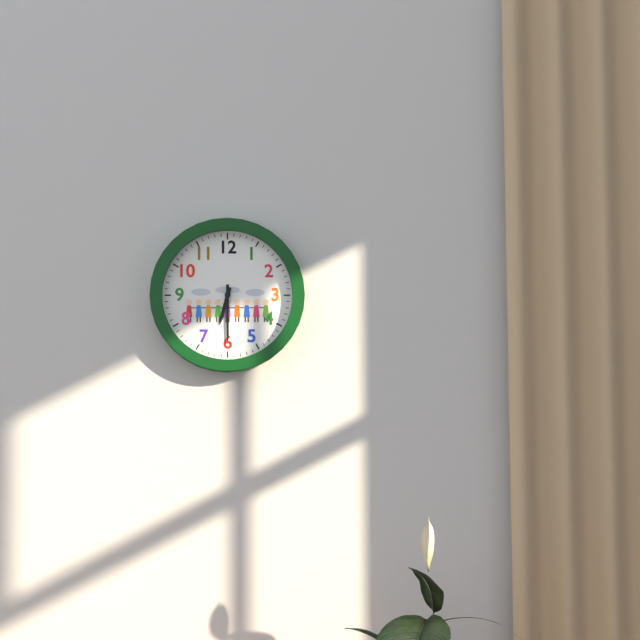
6.30
